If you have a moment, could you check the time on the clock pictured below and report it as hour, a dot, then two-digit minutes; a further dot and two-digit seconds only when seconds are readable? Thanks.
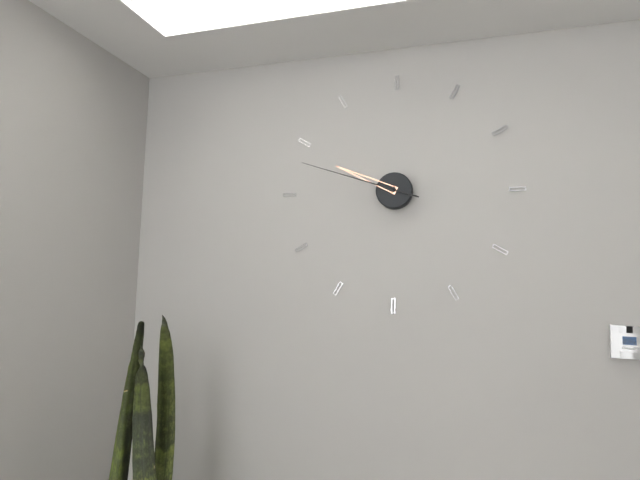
9.48
